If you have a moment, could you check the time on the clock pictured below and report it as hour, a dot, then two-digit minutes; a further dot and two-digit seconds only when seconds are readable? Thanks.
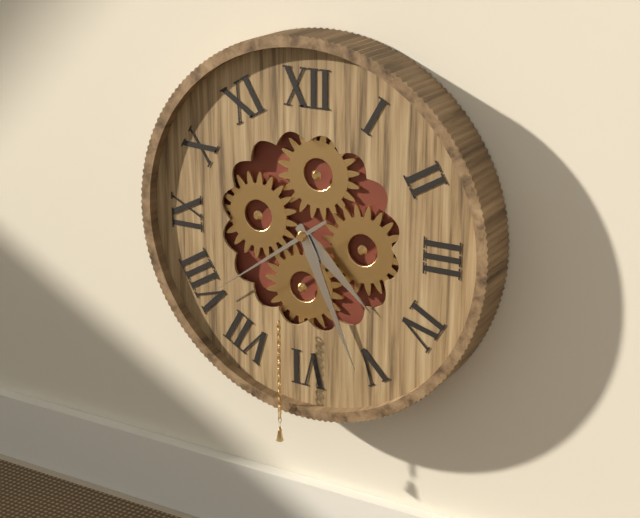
4.26.39
